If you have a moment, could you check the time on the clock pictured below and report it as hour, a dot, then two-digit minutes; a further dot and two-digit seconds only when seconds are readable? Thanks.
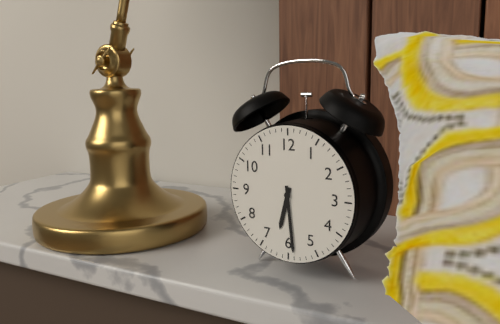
6.29
